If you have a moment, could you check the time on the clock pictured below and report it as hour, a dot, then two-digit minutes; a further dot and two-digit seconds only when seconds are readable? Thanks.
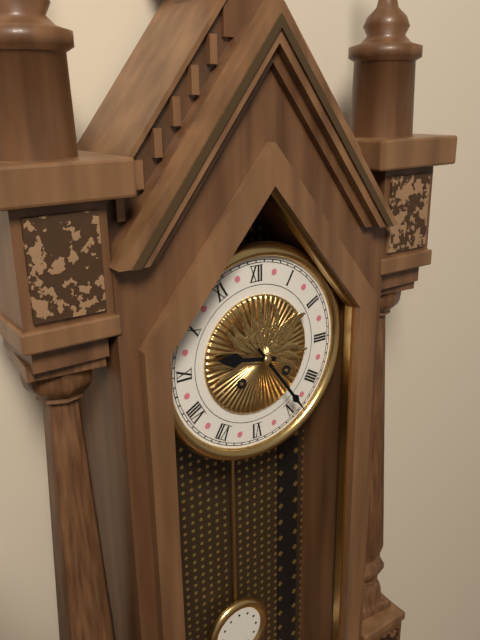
9.24
